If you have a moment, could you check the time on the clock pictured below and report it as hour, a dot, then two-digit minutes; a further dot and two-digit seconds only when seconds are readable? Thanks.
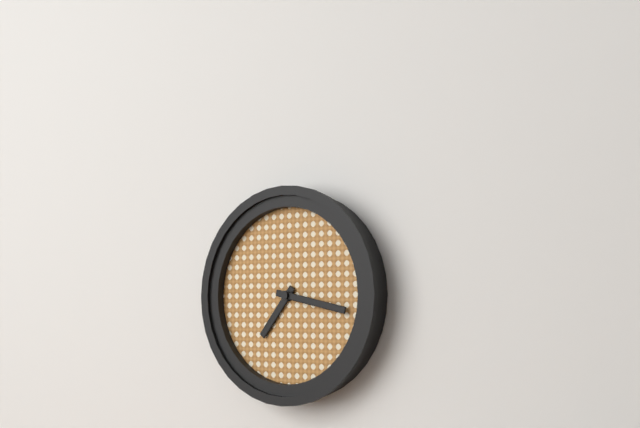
7.17
